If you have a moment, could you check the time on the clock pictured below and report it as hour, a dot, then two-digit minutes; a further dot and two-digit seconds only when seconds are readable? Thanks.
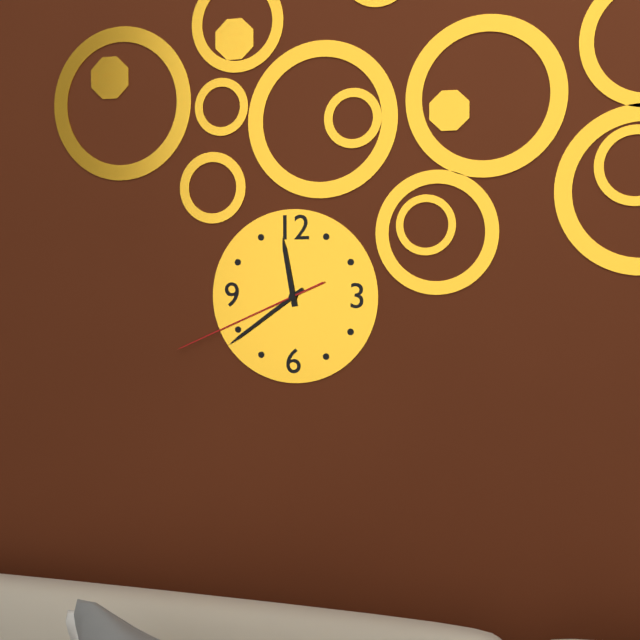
11.39.41
